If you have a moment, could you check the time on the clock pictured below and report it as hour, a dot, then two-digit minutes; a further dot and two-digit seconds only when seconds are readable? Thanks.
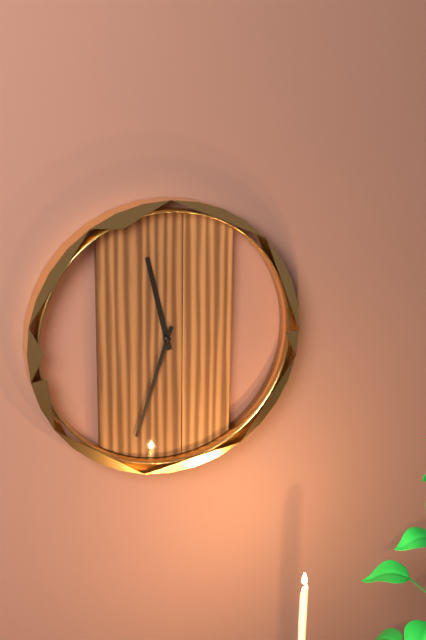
11.33
